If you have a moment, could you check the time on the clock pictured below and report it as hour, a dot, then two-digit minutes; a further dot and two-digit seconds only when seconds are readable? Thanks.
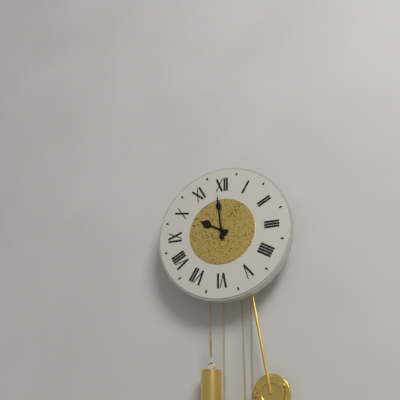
9.59
